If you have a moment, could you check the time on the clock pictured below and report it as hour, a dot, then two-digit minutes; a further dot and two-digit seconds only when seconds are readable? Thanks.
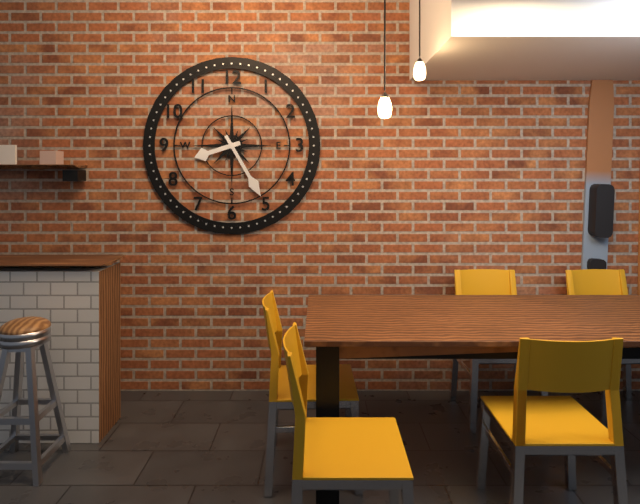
8.25
